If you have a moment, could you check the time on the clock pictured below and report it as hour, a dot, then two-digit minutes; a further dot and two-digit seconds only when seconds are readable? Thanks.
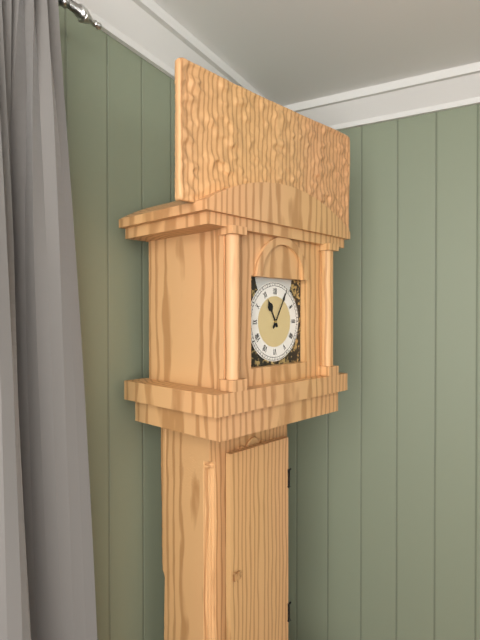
11.05
